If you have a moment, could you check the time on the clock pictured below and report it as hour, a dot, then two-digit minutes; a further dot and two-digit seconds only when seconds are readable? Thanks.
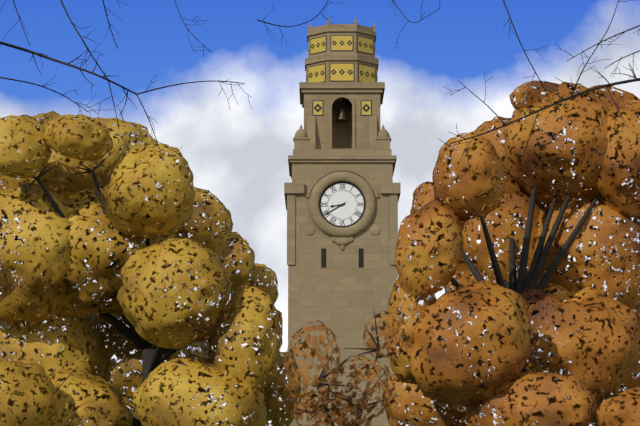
8.40
